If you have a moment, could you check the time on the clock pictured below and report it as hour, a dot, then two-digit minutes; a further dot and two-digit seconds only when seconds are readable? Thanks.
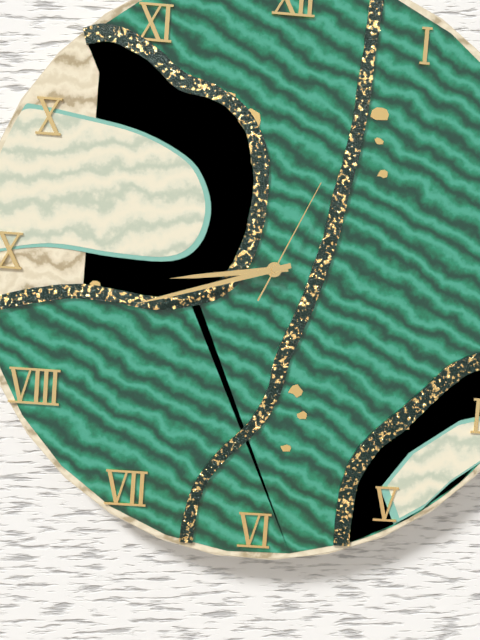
8.42.04
